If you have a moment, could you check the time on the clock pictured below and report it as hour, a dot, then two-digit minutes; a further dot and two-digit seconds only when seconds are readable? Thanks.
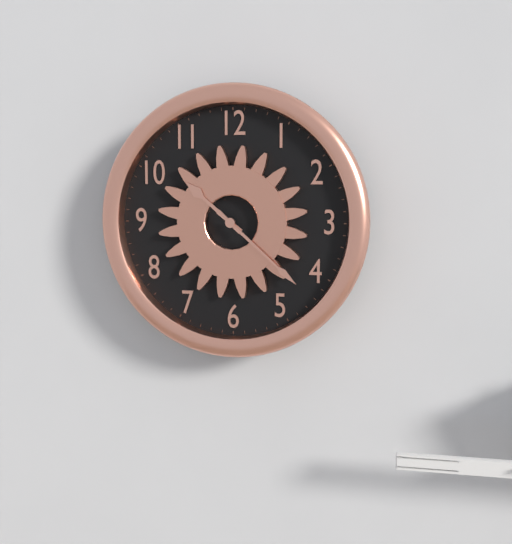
10.22
